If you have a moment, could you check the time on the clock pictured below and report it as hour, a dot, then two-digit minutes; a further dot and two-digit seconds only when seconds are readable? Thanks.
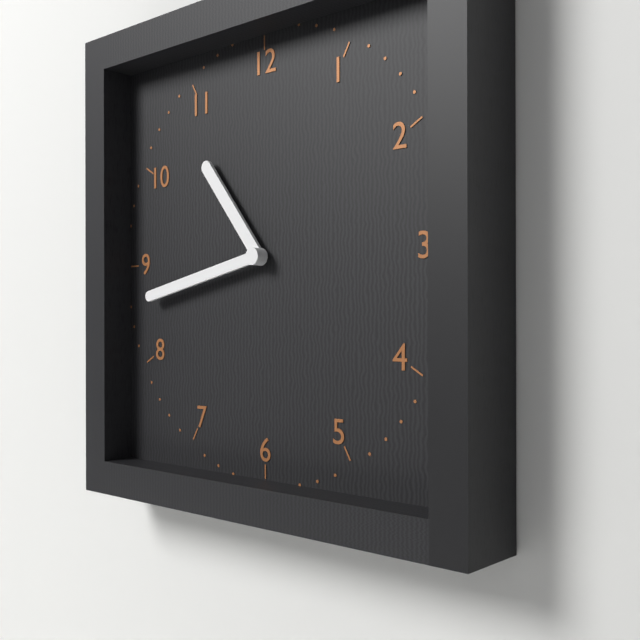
10.43
